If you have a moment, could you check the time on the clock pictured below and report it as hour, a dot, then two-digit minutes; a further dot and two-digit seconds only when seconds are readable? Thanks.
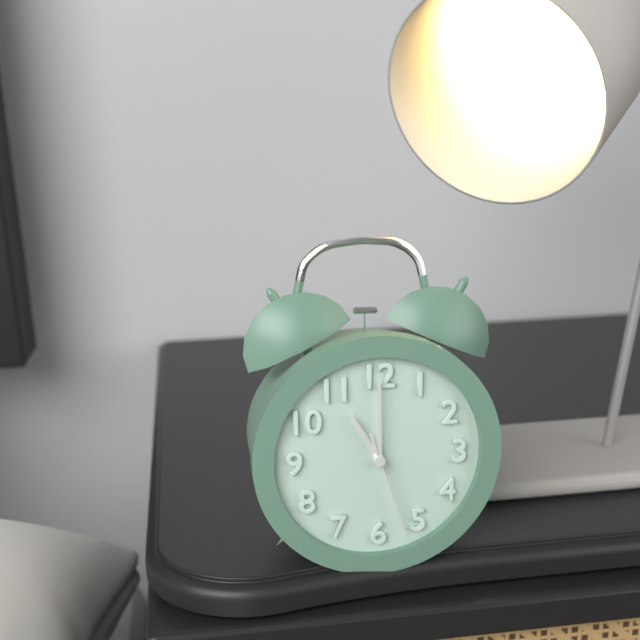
11.00.27
